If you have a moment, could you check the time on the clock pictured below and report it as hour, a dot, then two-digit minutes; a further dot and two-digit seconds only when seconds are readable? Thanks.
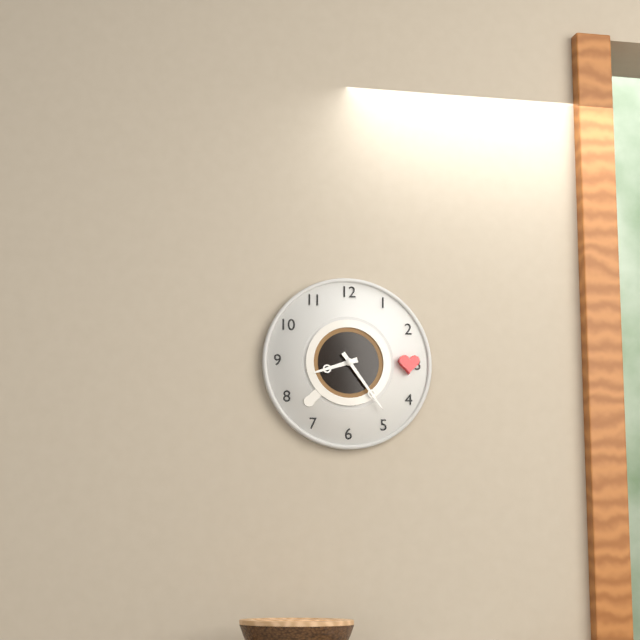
8.24
